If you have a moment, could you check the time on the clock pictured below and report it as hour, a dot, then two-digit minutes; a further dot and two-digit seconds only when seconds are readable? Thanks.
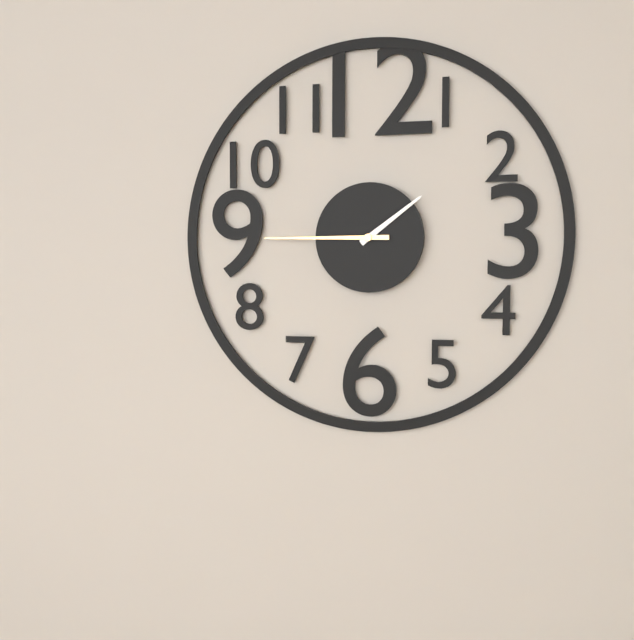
1.45
